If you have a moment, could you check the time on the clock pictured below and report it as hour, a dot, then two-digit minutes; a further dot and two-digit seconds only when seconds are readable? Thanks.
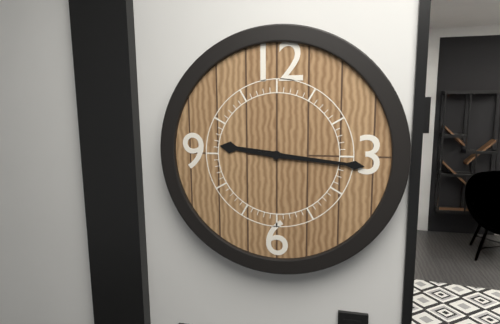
9.16
